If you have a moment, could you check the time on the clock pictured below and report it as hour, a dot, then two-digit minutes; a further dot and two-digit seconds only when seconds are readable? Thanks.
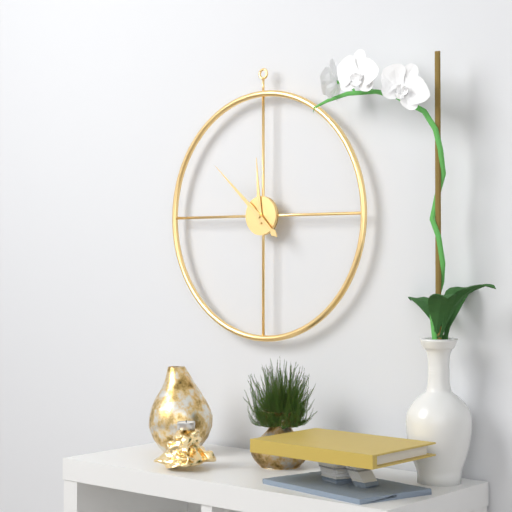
11.52
